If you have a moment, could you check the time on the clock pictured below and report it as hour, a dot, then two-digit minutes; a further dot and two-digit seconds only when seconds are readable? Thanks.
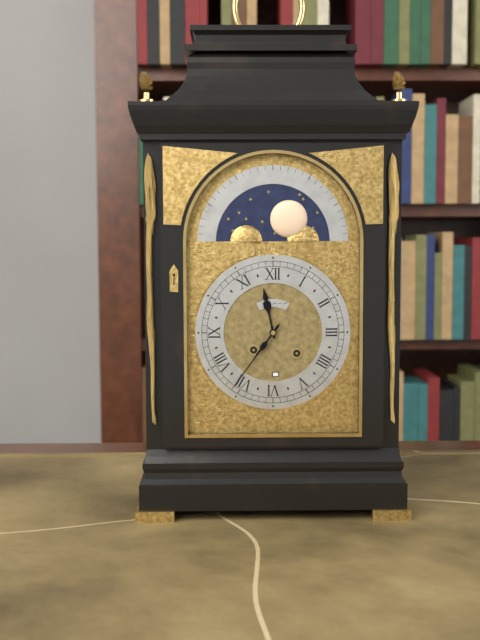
11.36
